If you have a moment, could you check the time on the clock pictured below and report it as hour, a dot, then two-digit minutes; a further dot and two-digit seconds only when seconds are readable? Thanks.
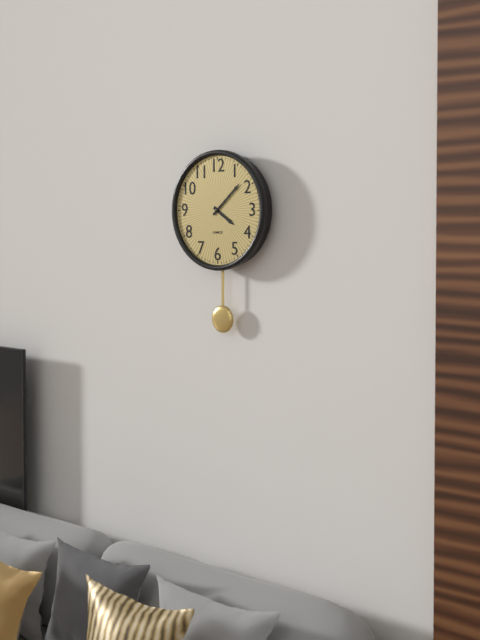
4.08
